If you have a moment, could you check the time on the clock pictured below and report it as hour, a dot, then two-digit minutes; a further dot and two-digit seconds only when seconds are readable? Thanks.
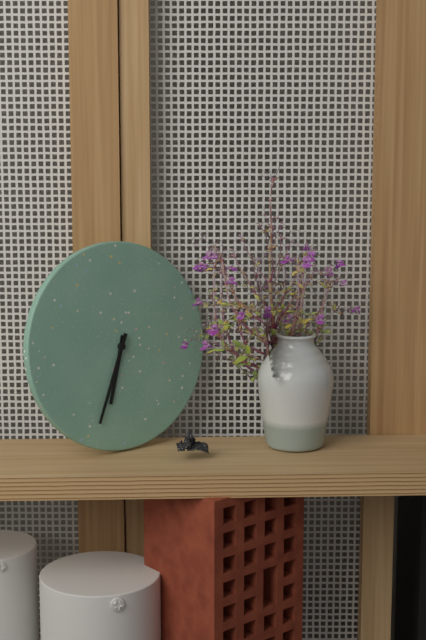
6.34
